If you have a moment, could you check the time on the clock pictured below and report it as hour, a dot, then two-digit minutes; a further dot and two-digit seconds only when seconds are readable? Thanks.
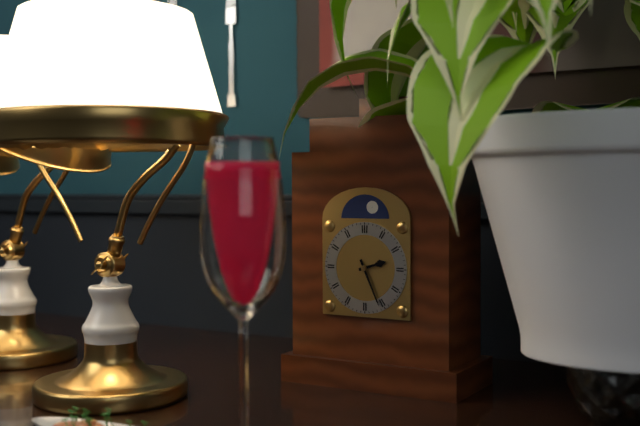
2.26
